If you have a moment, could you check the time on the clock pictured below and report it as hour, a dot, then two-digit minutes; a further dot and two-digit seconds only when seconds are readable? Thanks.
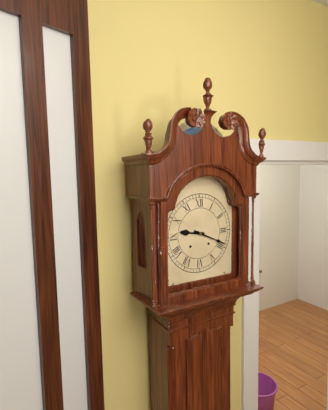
9.19
